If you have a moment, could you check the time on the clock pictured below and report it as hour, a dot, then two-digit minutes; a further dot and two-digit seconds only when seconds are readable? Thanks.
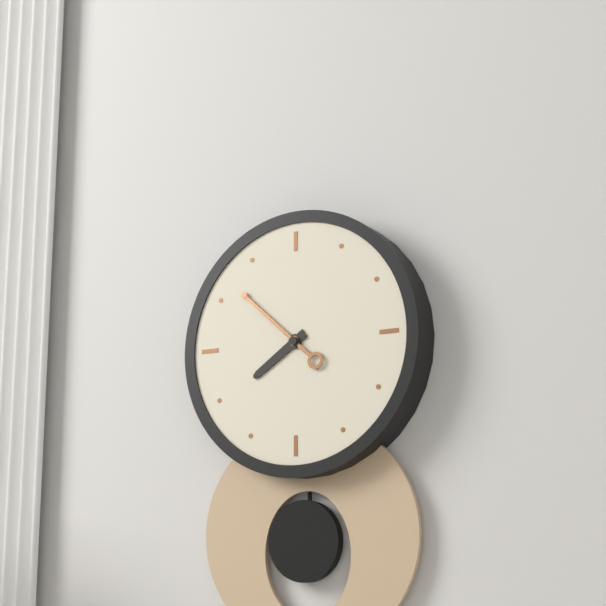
7.52
